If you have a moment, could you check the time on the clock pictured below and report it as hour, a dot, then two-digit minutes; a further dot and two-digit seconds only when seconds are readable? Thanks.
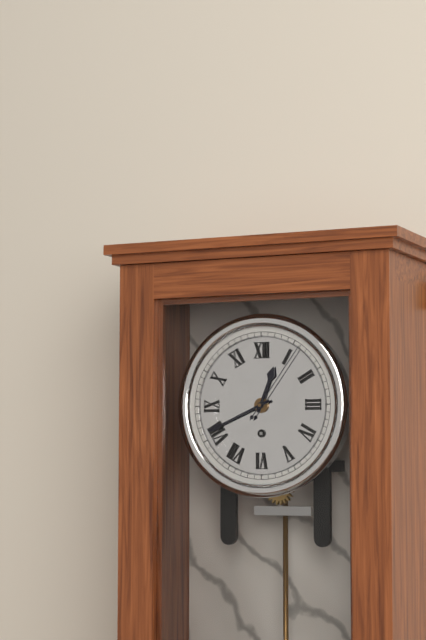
12.41.06
